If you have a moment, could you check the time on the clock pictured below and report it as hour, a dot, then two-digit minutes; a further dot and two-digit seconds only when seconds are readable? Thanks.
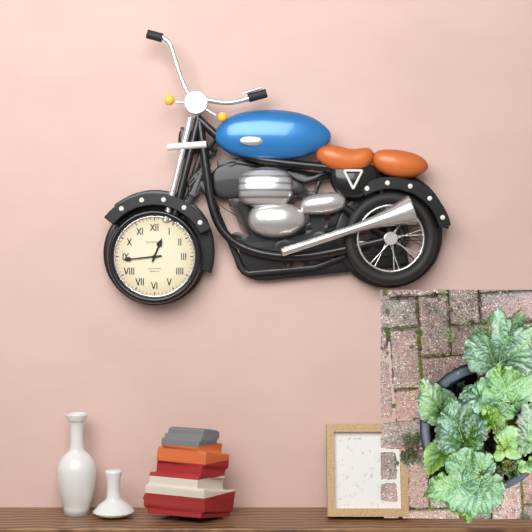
12.44
